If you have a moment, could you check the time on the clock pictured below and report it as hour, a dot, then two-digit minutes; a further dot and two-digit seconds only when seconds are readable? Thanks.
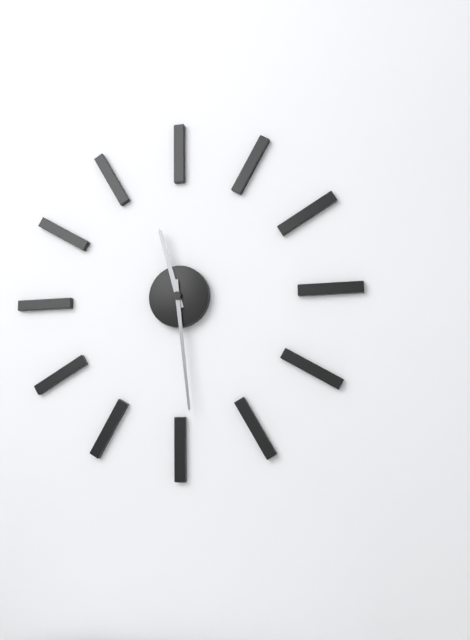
11.29
